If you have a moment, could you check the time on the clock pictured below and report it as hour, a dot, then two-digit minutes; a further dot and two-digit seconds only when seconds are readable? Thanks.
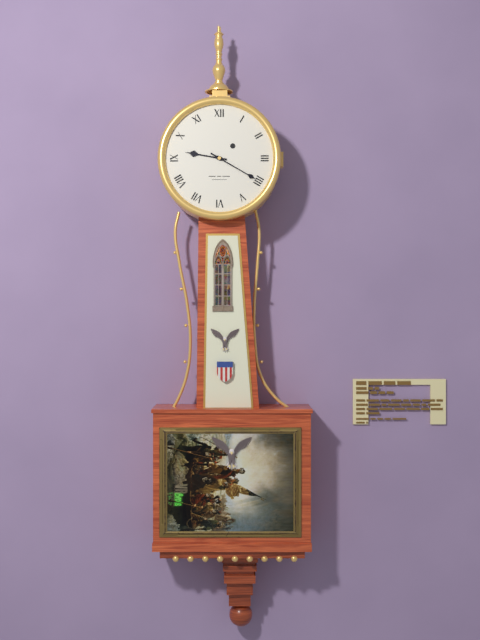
9.20
